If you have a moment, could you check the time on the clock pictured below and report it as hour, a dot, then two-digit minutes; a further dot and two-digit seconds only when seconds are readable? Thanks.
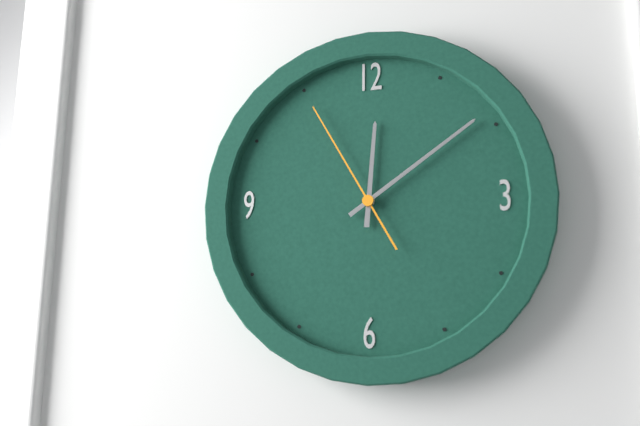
12.09.55
